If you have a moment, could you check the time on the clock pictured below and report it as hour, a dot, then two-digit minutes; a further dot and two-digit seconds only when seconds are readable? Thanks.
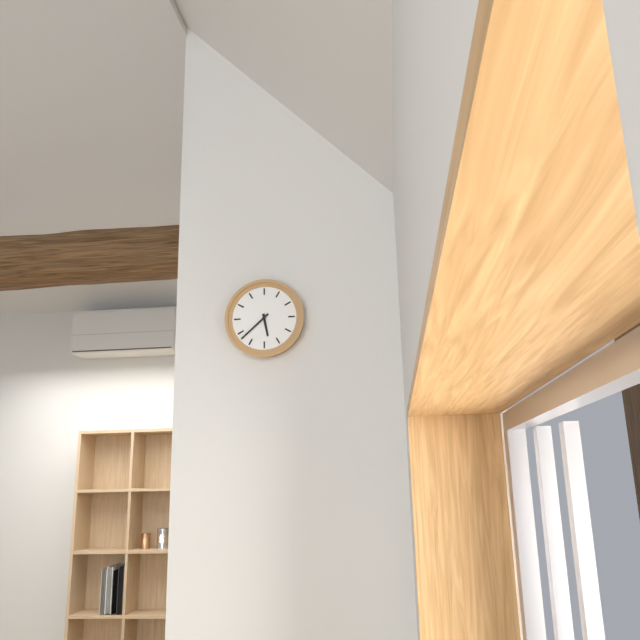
5.38
